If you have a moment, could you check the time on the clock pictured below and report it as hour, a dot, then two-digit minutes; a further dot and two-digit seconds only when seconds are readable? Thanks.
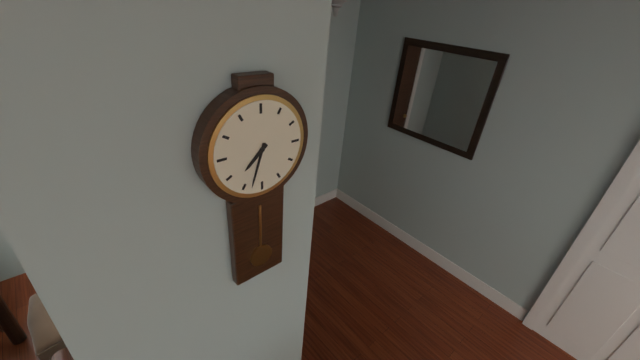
7.33
